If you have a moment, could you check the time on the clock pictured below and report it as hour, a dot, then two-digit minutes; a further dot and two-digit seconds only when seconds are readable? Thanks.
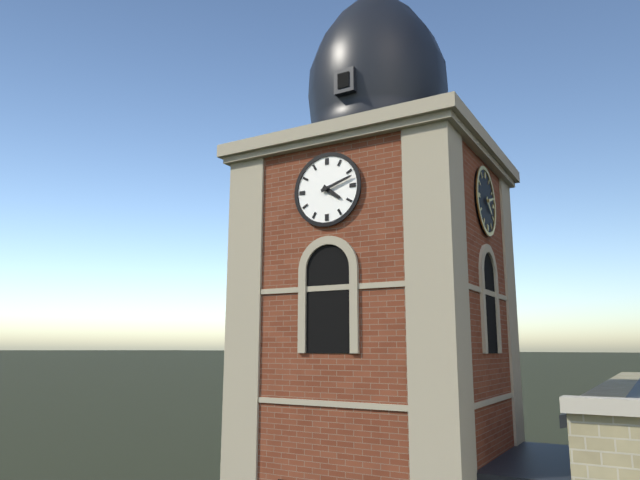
4.12
